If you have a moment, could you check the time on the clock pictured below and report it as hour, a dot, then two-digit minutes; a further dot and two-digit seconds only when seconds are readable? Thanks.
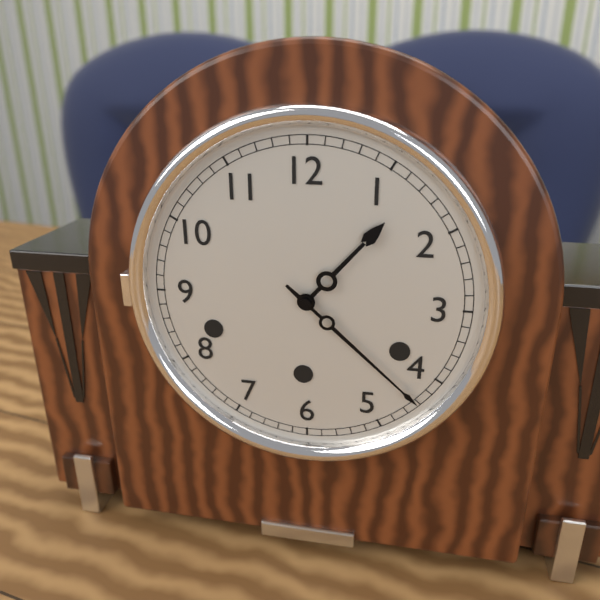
1.22
